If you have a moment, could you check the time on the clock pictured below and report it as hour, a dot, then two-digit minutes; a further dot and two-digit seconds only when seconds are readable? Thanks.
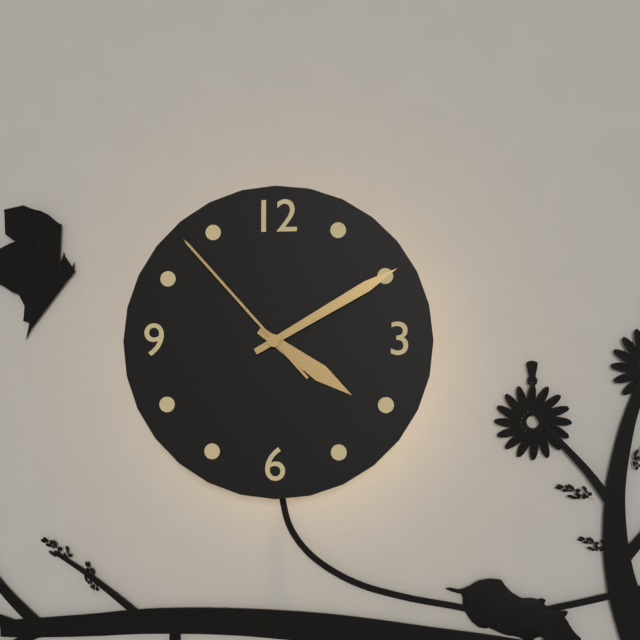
4.10.53
